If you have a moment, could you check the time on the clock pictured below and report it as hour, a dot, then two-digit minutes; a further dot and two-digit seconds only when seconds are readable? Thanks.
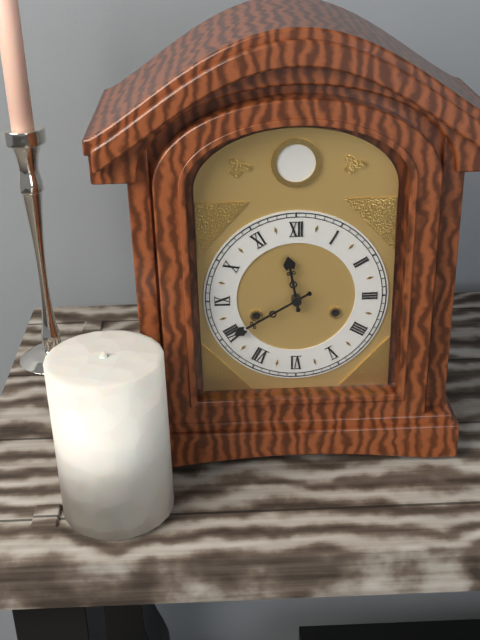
11.40
